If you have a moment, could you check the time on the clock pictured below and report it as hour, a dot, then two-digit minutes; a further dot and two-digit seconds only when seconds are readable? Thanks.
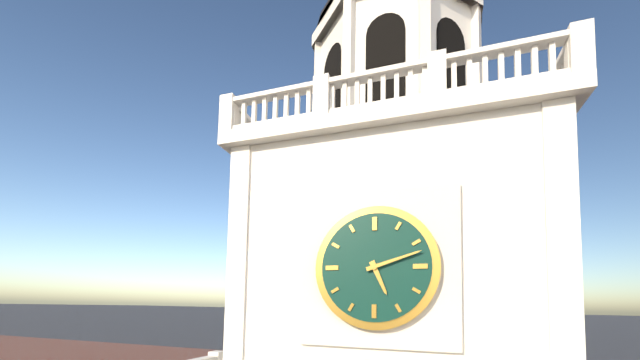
5.12
